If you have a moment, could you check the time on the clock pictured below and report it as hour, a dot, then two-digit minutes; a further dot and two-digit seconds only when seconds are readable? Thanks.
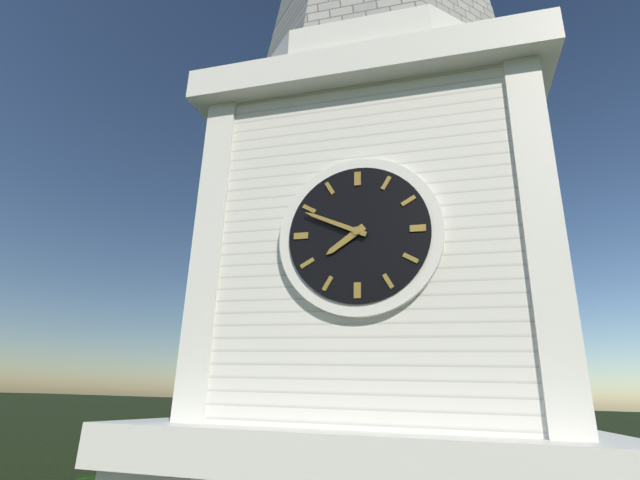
7.49
